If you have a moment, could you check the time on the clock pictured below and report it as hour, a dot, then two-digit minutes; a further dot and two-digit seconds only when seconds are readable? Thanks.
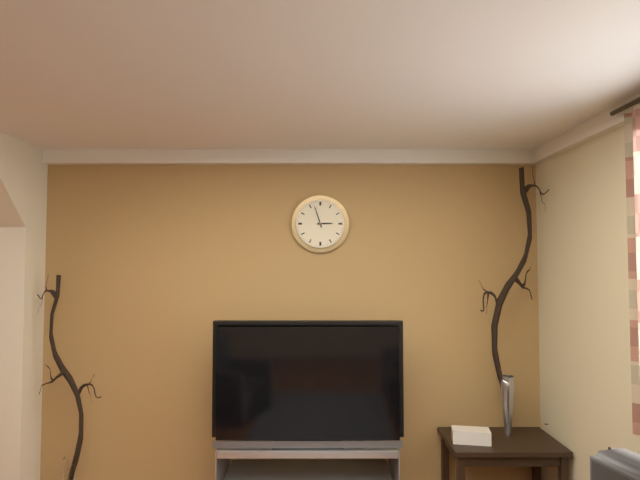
2.57
